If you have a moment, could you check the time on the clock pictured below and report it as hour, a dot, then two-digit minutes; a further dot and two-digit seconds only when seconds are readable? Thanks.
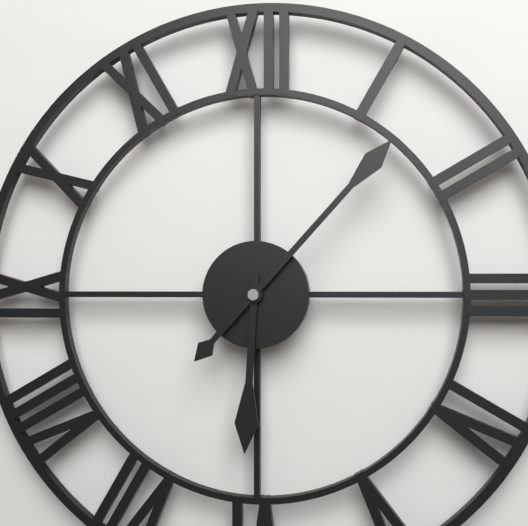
6.07
